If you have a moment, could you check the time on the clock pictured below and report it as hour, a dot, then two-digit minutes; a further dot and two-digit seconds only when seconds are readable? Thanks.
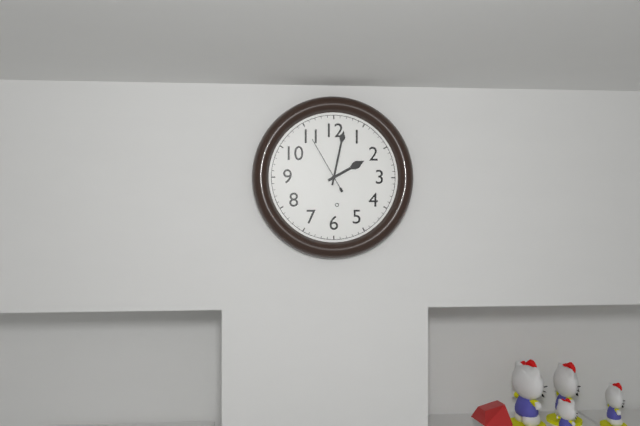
2.02.55
